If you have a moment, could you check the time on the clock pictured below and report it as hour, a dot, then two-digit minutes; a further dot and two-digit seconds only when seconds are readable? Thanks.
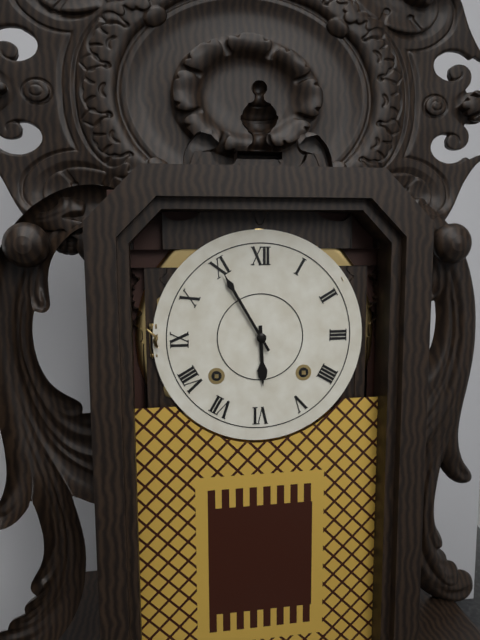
5.55
